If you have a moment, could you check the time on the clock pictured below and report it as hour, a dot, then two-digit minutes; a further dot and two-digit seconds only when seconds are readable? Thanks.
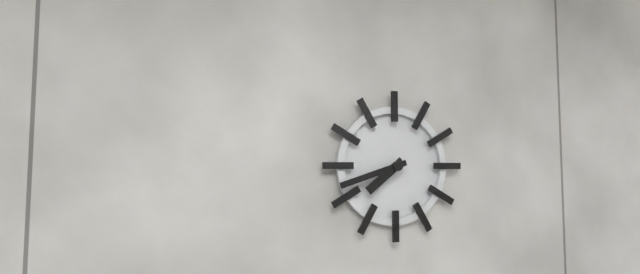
7.42
